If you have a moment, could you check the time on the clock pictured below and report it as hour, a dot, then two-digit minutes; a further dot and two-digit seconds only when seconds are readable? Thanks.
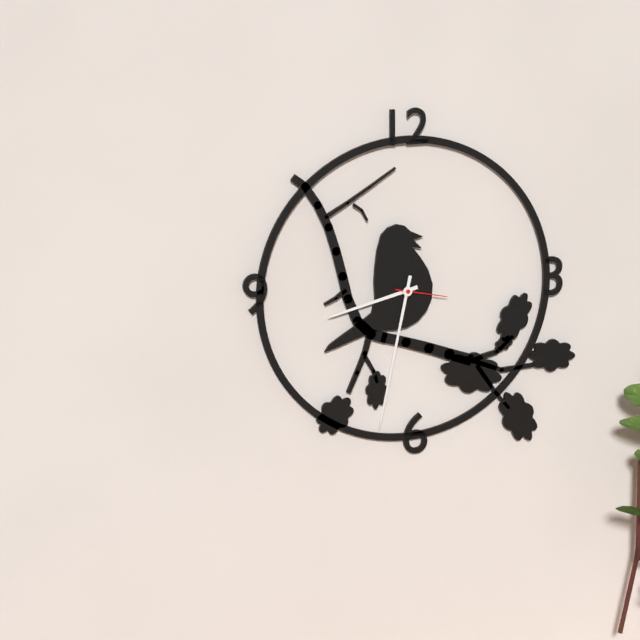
8.32.17
